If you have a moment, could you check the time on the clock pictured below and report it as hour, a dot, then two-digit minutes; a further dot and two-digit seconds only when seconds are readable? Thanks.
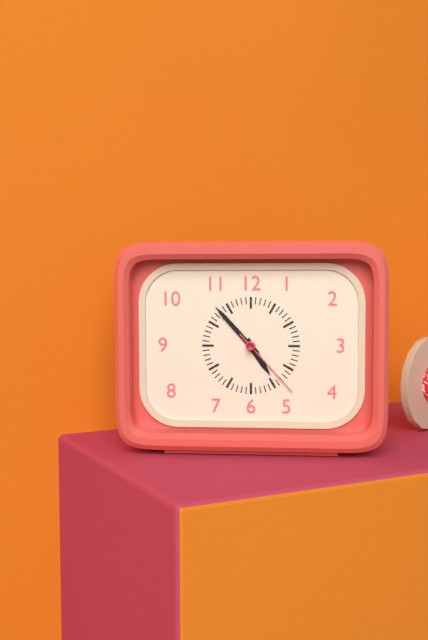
4.53.23
